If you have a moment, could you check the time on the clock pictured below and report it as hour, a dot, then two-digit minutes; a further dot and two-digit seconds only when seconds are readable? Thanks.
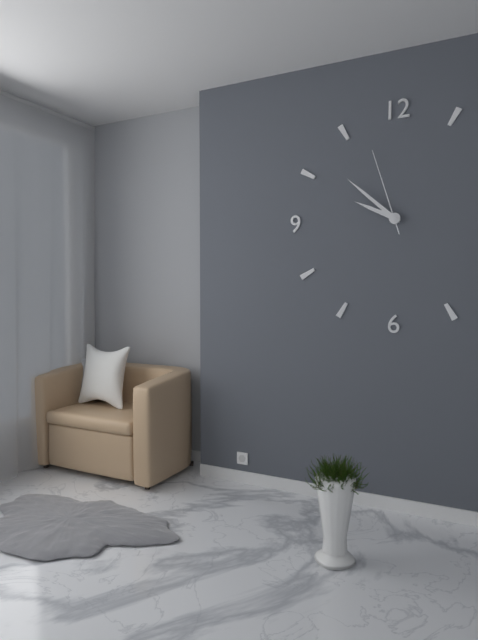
9.52.57
